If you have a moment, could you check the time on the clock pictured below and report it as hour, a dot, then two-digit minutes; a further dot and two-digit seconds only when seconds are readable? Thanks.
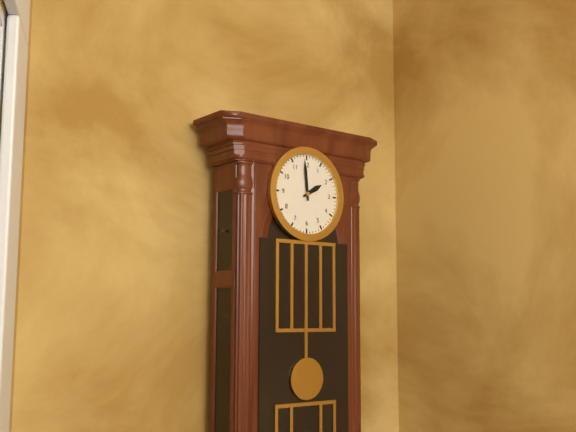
1.59
